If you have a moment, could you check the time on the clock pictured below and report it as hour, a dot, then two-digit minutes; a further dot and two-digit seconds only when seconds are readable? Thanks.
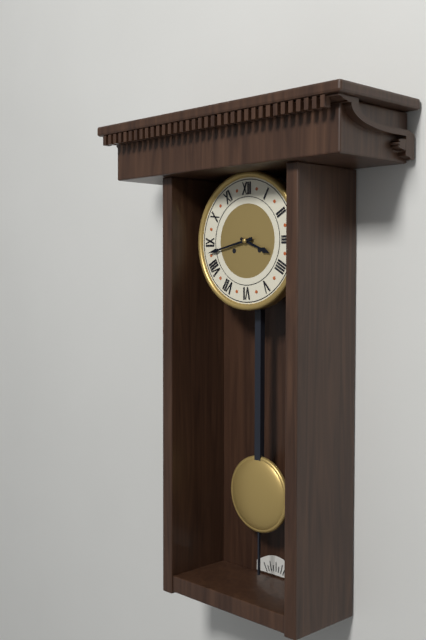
3.43
